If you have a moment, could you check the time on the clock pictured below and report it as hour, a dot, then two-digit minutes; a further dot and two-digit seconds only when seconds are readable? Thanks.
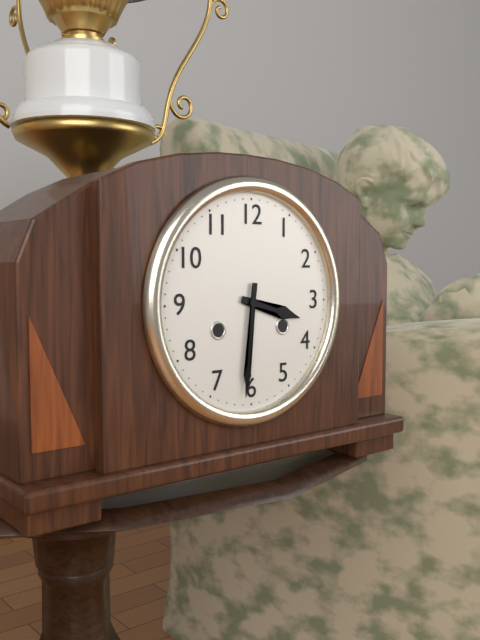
3.31
